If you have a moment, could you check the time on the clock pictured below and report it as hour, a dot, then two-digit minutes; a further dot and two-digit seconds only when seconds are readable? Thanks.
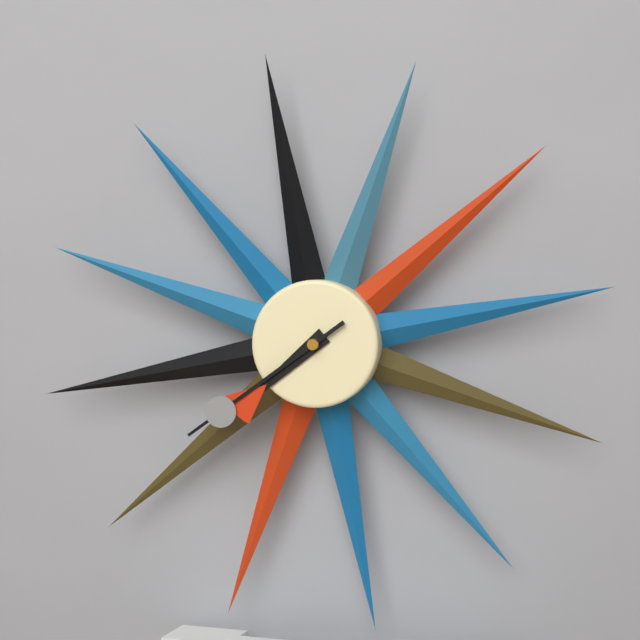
7.39
